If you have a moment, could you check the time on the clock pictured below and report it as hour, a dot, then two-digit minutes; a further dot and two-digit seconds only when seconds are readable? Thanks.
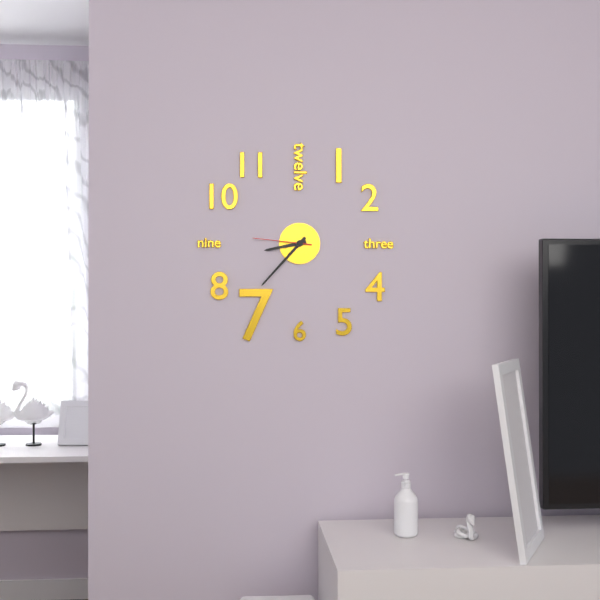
8.37.46
